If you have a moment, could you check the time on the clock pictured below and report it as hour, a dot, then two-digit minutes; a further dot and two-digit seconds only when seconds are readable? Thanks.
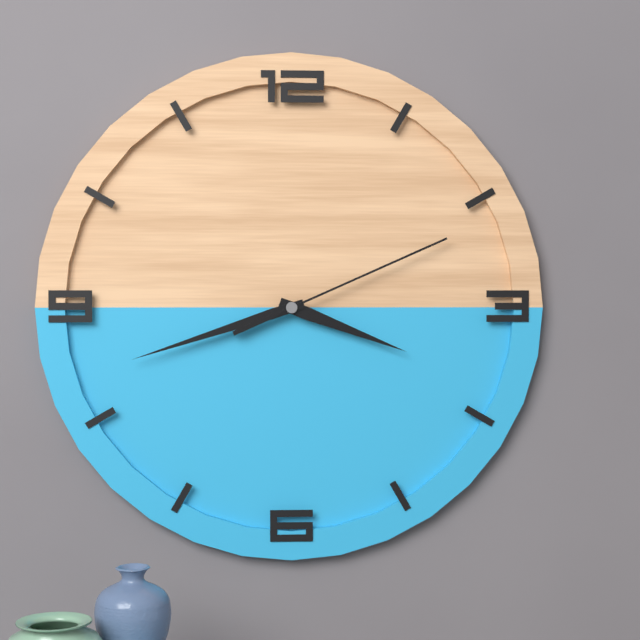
3.42.11
